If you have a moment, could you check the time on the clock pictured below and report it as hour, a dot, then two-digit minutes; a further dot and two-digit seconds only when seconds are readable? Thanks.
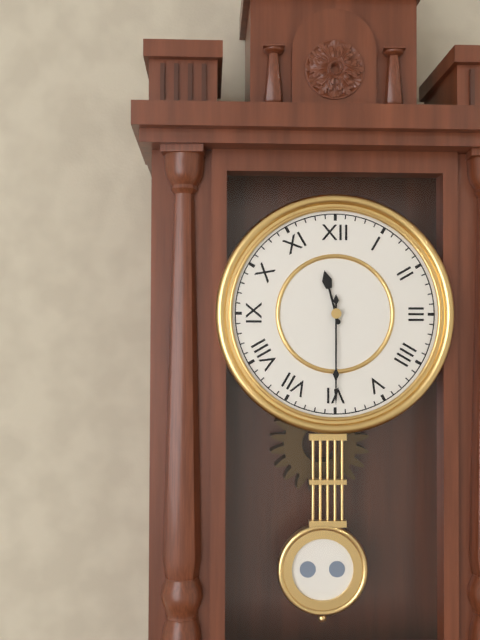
11.30
